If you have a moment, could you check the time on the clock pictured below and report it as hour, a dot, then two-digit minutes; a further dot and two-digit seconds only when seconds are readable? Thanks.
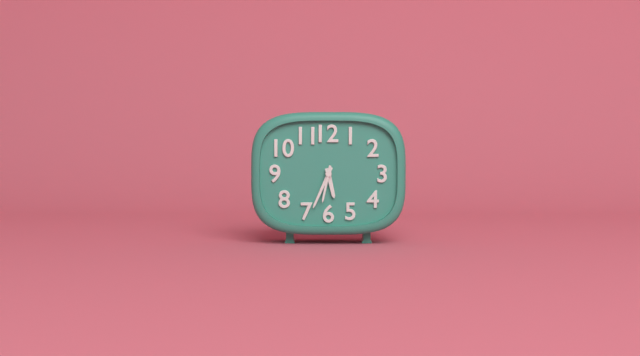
5.34
